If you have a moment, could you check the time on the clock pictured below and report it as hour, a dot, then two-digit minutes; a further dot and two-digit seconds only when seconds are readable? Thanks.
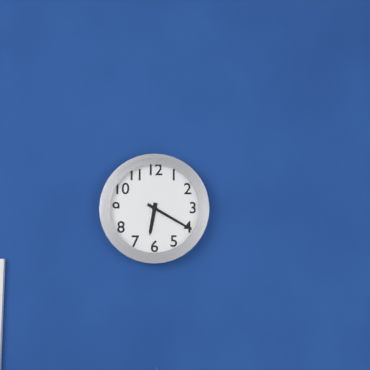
6.20
